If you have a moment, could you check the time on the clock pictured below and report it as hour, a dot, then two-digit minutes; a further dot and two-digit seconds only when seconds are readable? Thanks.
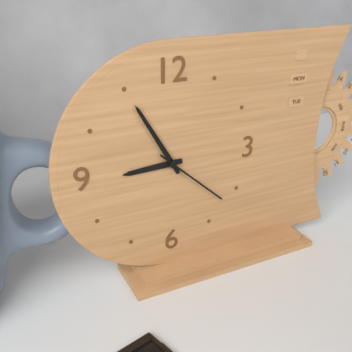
8.55.22
